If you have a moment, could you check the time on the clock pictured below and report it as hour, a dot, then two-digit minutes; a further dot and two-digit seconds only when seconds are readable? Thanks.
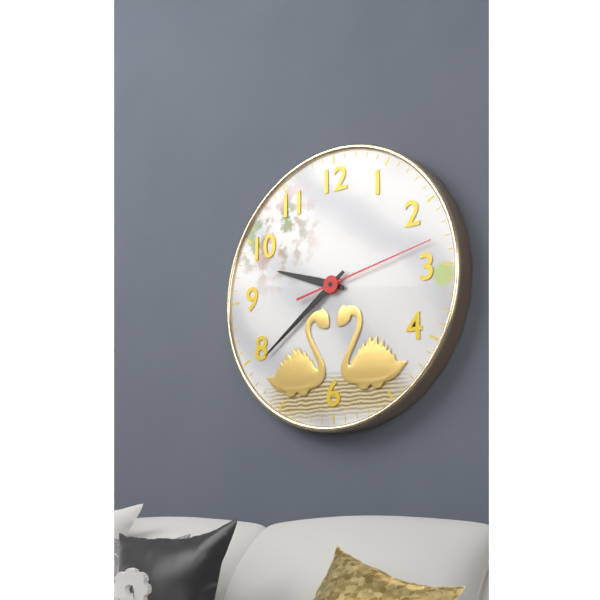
9.39.13
